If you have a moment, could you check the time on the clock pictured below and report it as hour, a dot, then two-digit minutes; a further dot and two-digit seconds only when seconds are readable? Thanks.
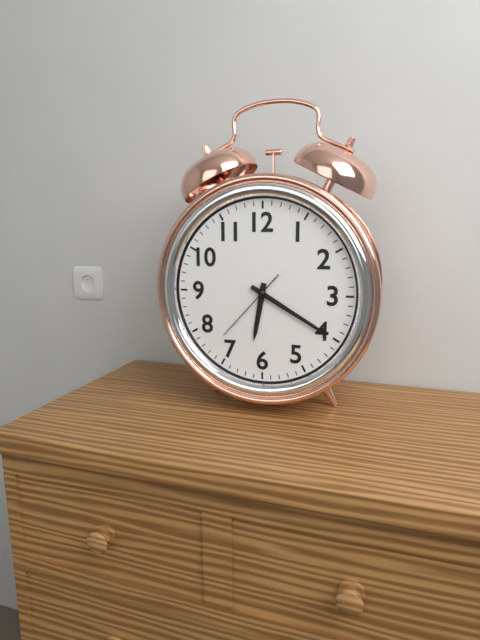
6.20.37
